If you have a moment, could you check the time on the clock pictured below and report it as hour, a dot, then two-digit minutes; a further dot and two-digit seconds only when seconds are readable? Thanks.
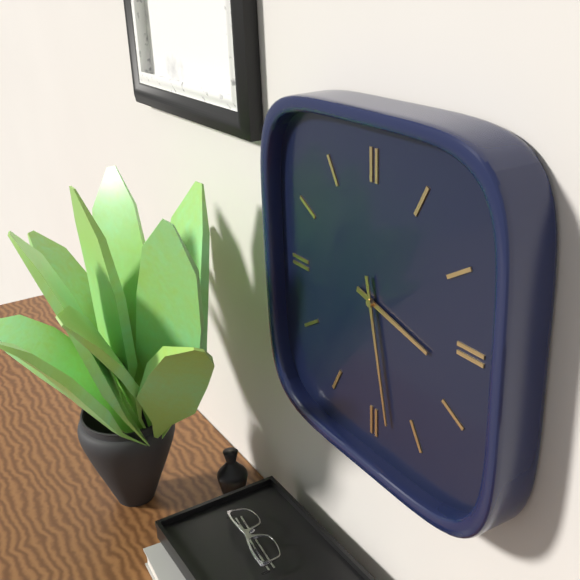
3.28
